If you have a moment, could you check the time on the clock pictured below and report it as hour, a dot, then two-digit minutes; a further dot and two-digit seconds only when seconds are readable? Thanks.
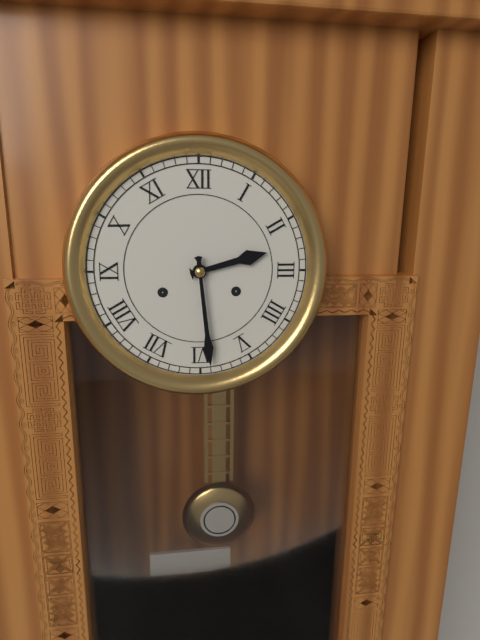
2.29
